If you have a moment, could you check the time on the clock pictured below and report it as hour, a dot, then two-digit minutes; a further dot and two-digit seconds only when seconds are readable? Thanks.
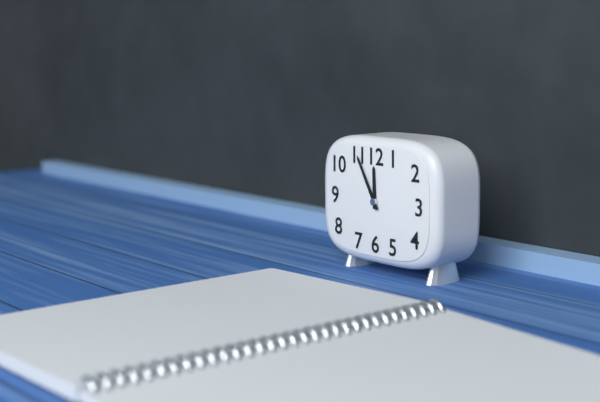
11.55
